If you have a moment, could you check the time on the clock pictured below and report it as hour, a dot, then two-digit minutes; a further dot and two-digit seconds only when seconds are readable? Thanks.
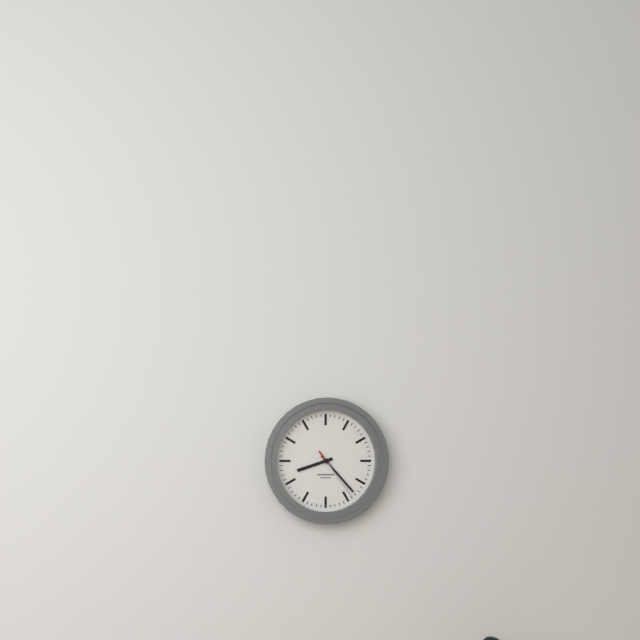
8.23.24
